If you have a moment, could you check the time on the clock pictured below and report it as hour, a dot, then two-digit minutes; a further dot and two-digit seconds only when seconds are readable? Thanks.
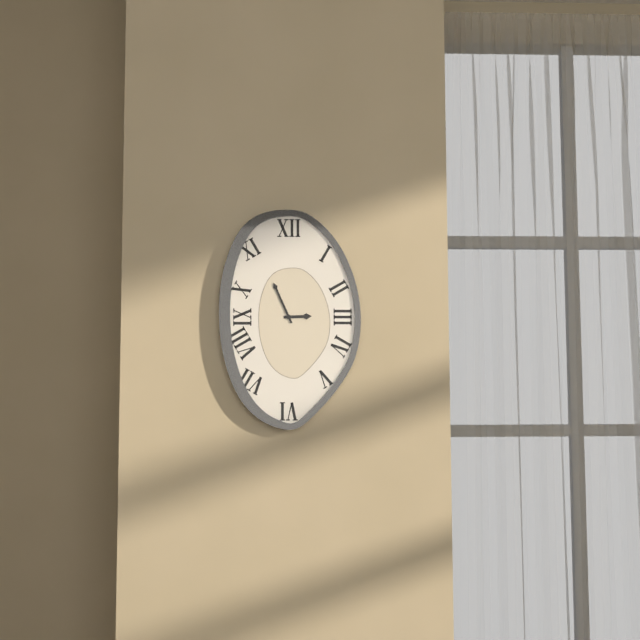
2.56
